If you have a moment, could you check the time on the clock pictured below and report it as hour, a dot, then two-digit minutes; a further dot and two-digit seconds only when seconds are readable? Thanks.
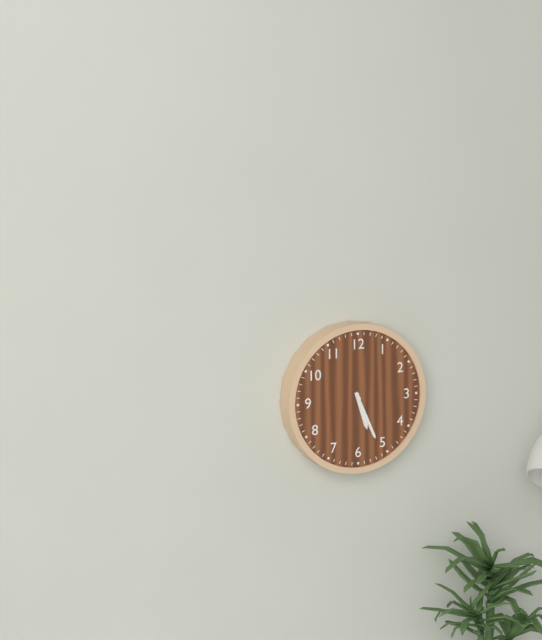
5.26
